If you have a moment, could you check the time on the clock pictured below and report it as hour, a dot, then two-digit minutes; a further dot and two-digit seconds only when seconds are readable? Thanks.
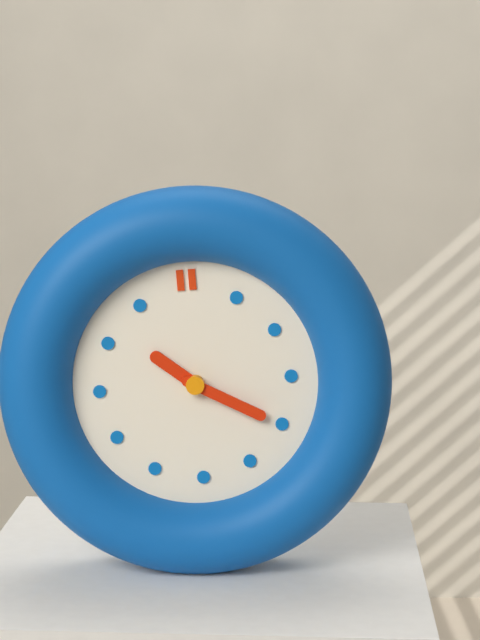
10.20
